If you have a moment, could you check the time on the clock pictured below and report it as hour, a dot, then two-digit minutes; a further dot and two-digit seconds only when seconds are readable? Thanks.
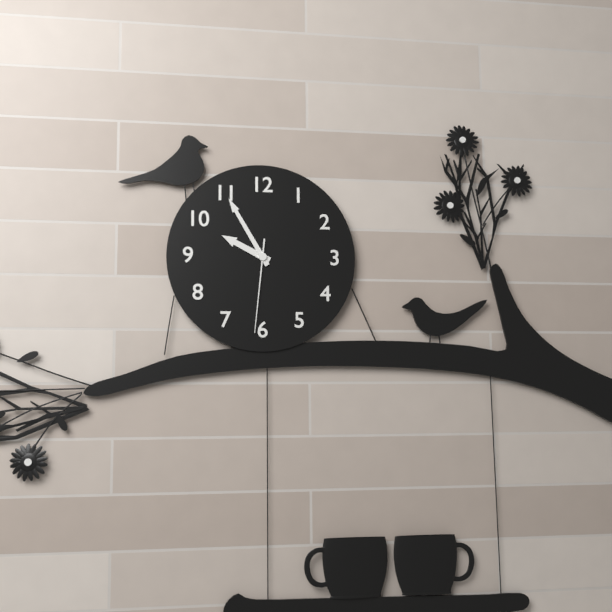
9.55.31
